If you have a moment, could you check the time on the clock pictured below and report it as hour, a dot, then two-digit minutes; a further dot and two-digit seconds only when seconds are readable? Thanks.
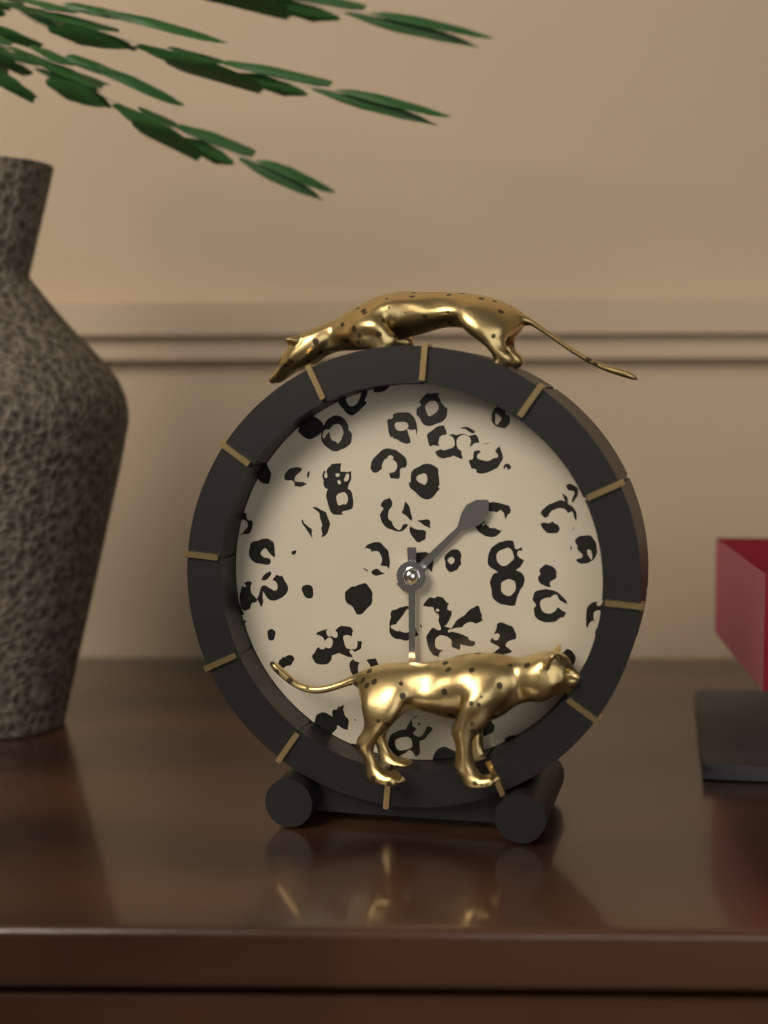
1.30
